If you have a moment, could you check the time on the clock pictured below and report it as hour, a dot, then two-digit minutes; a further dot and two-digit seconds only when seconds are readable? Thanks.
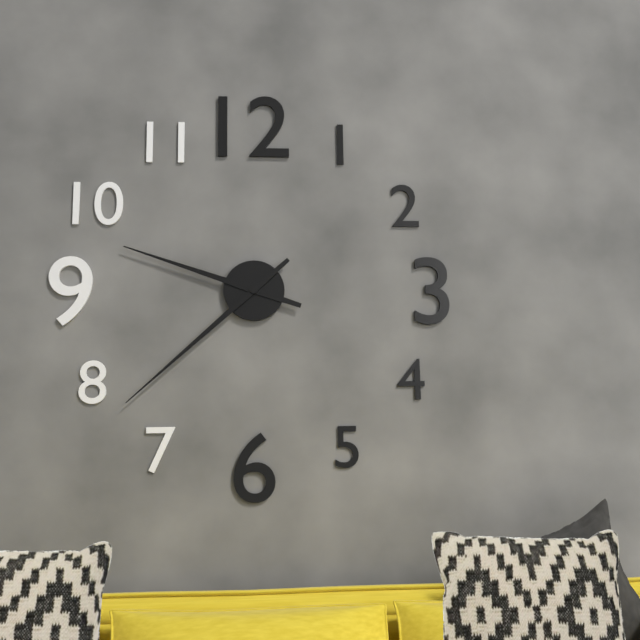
9.38
